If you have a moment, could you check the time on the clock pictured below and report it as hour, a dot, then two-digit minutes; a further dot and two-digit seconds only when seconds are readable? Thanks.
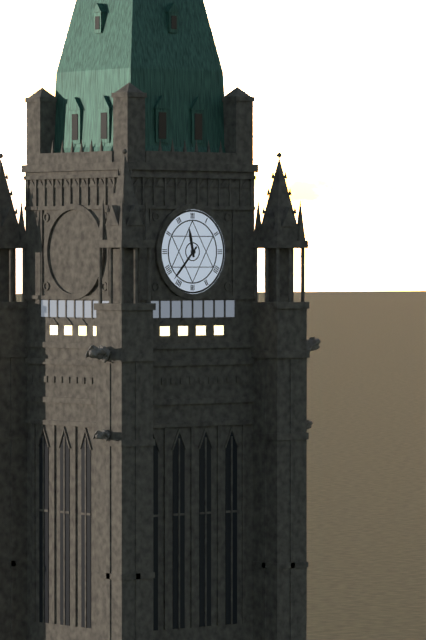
11.37
